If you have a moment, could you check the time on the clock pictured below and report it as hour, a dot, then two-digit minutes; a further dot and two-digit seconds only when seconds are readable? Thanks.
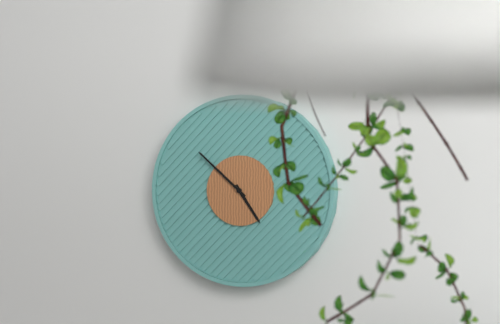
4.52
